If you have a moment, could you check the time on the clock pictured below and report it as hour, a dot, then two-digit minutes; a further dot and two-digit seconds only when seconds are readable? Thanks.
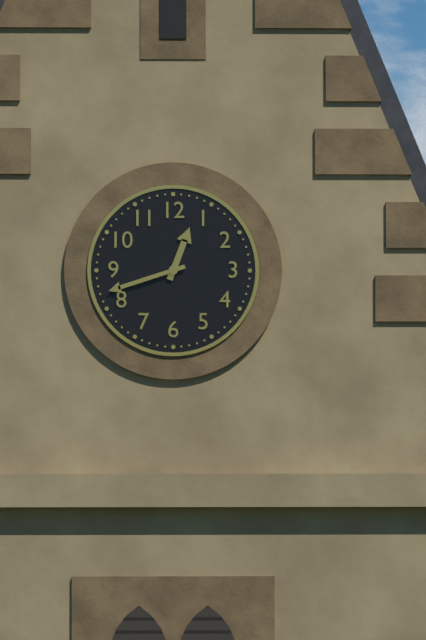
12.42
